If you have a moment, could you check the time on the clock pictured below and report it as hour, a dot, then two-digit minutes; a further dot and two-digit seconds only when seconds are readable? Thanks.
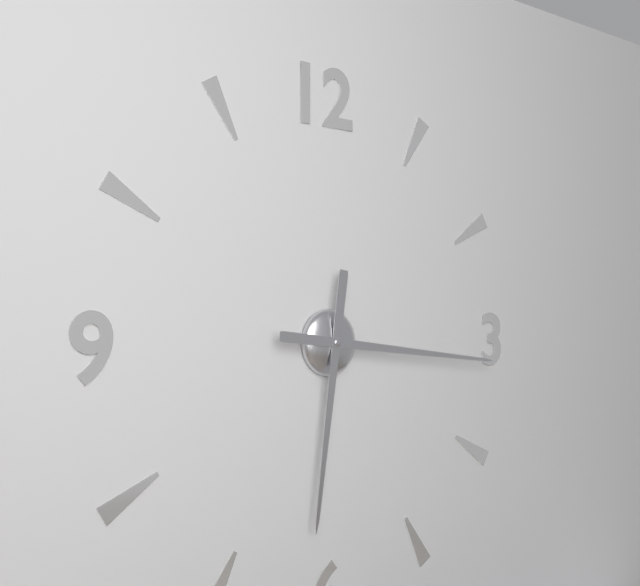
6.16
